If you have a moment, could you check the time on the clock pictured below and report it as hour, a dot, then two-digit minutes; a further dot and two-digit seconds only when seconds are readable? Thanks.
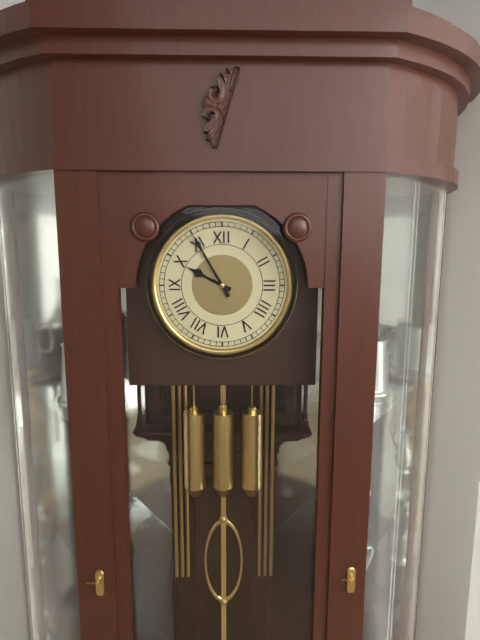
9.55
